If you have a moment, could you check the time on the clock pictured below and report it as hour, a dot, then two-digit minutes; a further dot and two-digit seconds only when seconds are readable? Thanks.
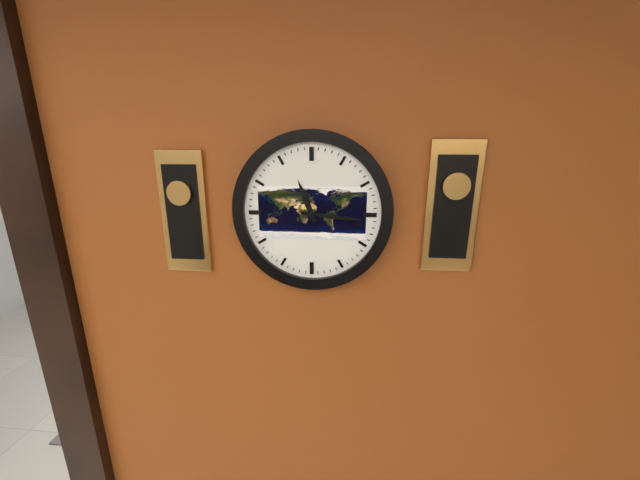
11.16
